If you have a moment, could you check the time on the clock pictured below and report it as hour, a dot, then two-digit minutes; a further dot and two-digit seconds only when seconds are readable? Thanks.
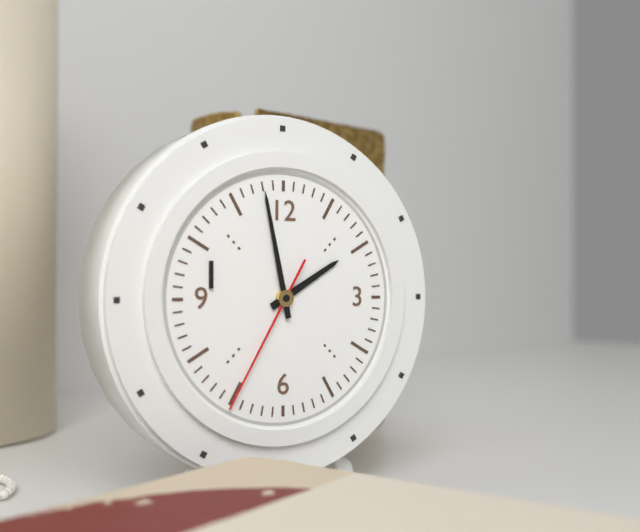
1.58.35
